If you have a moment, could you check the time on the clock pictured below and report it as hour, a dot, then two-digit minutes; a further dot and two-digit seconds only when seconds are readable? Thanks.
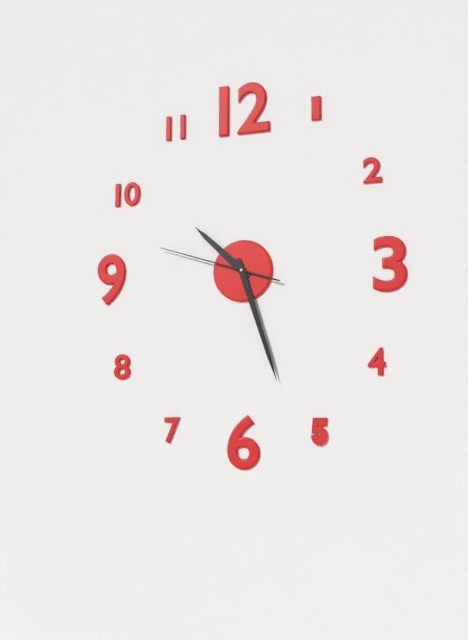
10.27.48
